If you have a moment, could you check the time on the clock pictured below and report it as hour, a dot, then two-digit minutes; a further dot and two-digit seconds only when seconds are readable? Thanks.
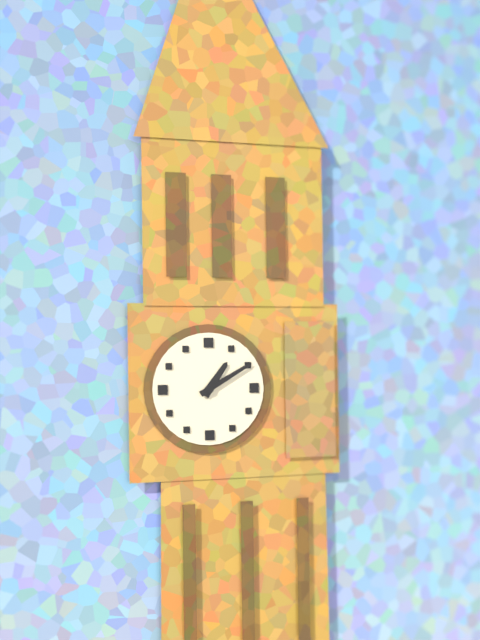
1.10
